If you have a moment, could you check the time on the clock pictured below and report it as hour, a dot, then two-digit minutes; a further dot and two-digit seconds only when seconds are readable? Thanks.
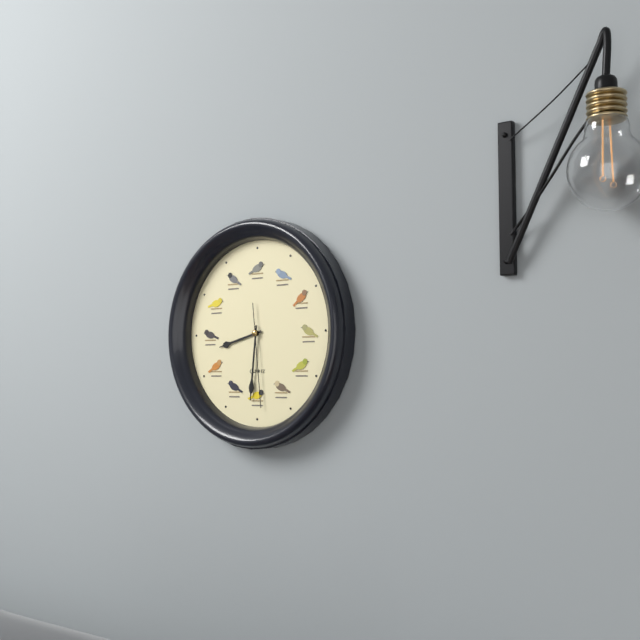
8.31.29
